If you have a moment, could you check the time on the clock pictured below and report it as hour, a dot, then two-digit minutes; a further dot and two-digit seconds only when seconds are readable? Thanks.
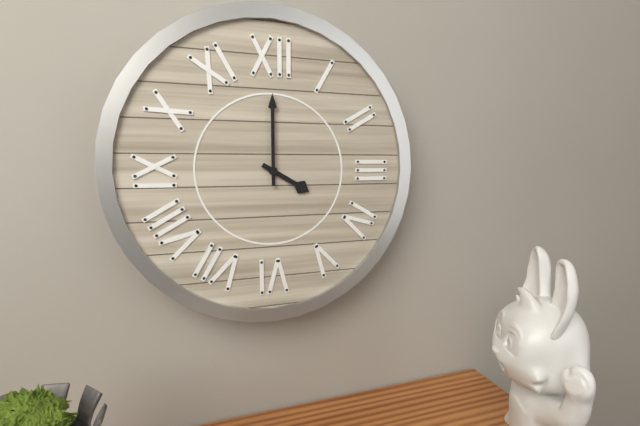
4.00
